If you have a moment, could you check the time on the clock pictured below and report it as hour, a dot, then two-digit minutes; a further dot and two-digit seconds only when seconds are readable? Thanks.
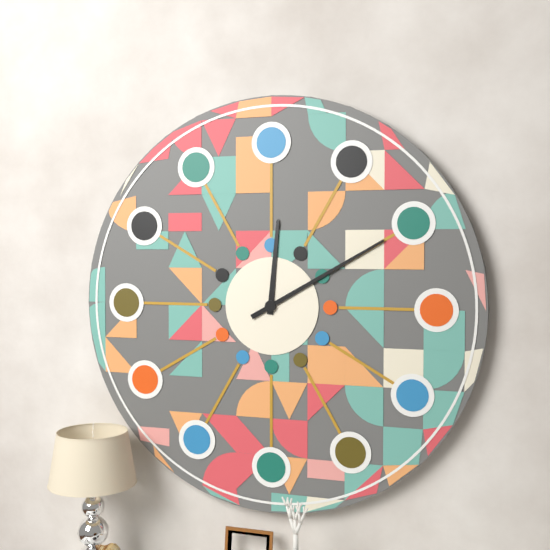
12.10
